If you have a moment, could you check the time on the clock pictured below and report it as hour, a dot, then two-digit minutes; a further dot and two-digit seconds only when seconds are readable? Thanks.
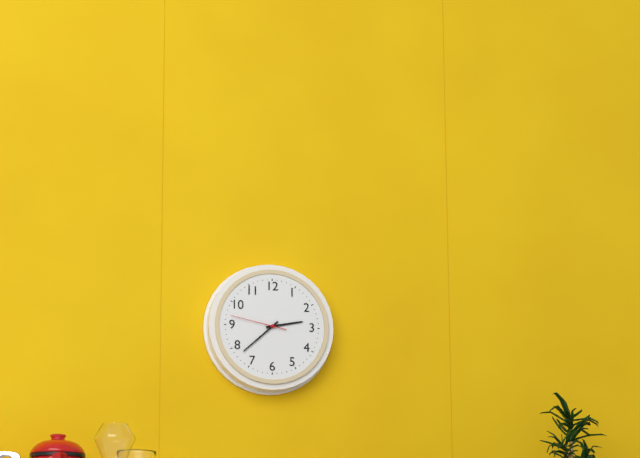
2.38.47
